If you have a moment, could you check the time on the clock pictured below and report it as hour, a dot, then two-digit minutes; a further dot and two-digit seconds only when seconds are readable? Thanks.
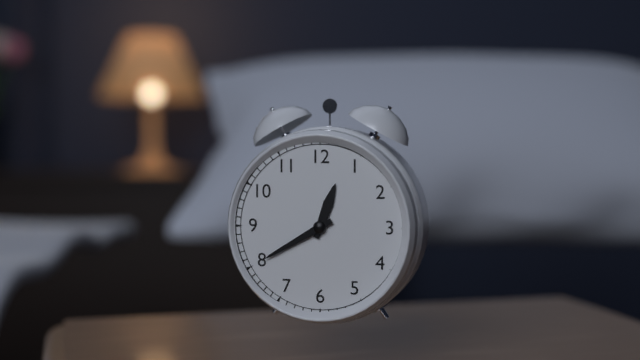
12.40
